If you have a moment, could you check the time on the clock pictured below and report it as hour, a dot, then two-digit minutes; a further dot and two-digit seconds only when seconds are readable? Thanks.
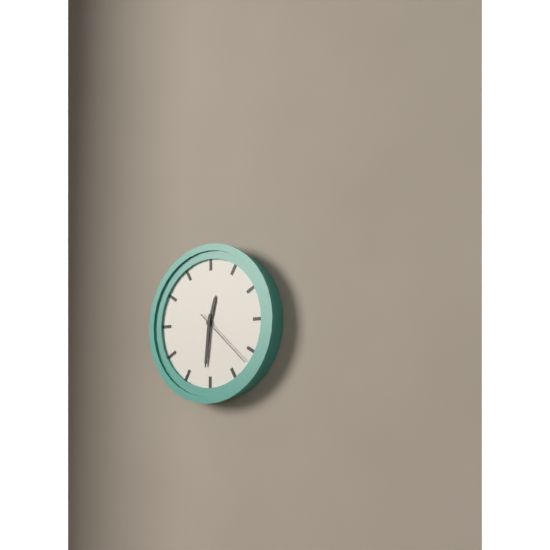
12.31.22
